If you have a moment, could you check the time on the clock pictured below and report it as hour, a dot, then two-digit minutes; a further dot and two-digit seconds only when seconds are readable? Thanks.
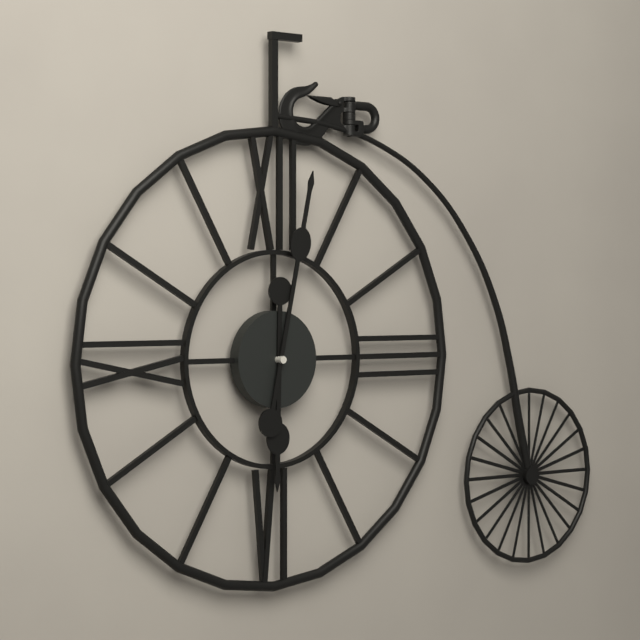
6.02
